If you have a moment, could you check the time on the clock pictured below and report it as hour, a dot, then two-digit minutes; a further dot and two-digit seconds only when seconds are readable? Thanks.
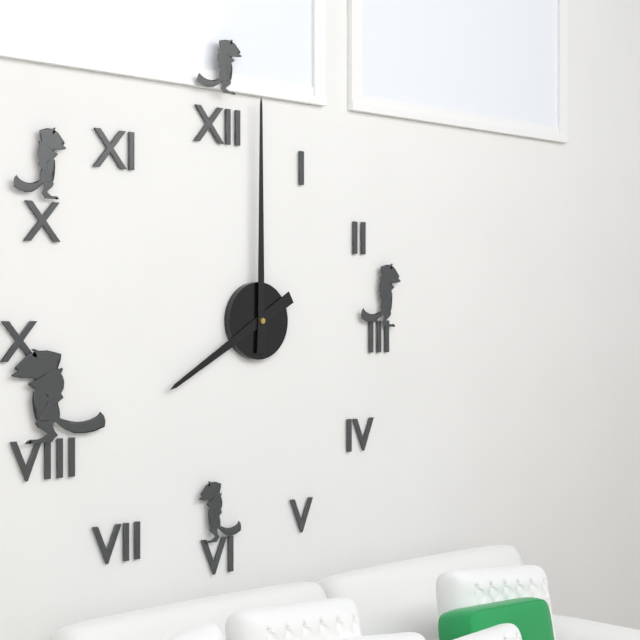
8.00
